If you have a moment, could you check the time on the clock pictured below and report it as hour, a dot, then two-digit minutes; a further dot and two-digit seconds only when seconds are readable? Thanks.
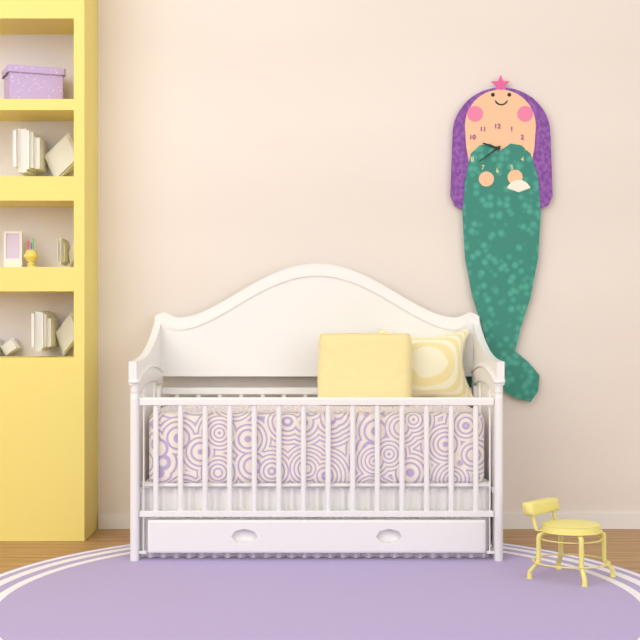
9.39
